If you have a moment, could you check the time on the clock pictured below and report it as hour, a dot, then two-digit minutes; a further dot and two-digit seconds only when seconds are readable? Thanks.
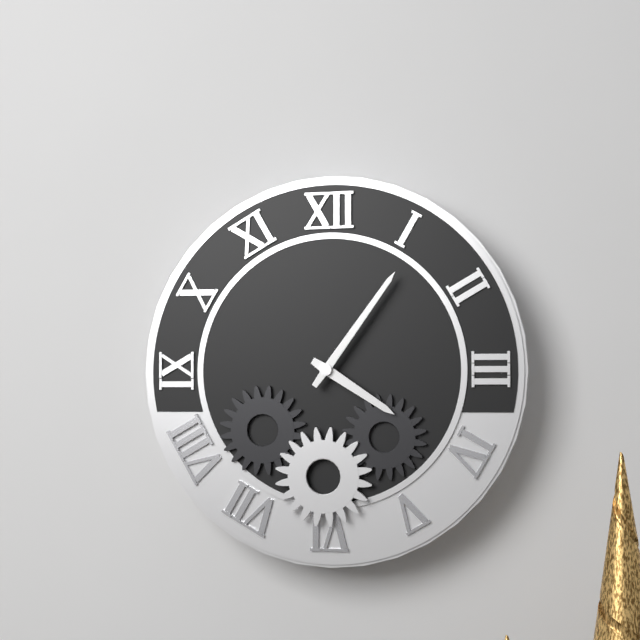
4.06
